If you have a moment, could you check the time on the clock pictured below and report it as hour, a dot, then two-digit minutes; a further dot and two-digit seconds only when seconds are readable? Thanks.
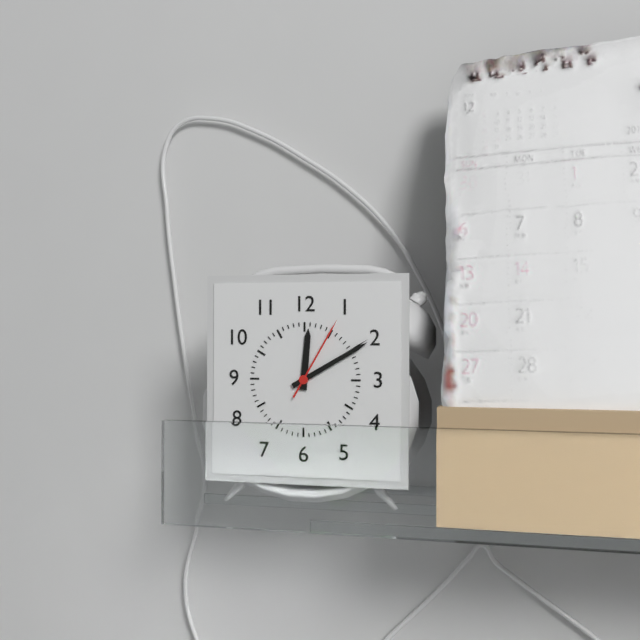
12.10.05
